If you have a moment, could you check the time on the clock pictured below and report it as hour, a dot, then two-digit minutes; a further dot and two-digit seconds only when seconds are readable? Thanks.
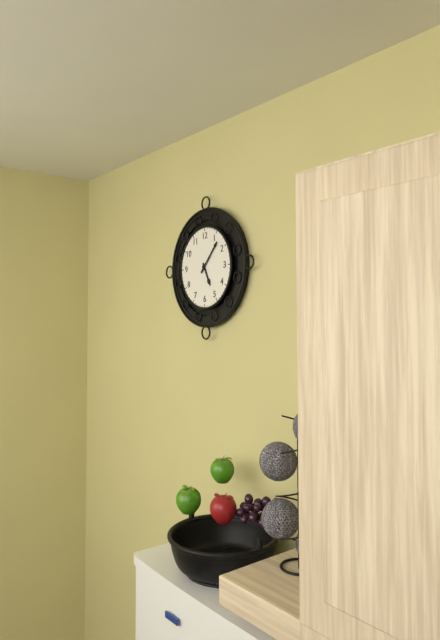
5.07
